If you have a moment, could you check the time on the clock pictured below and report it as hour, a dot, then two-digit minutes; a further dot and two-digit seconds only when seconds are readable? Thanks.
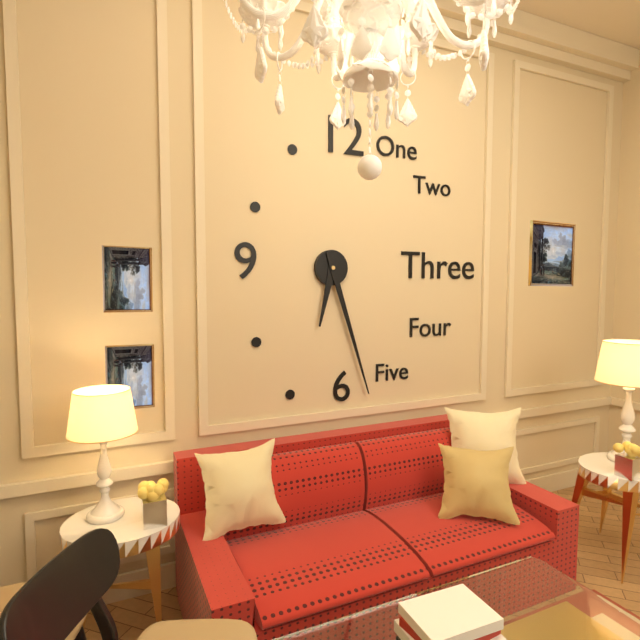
6.27
